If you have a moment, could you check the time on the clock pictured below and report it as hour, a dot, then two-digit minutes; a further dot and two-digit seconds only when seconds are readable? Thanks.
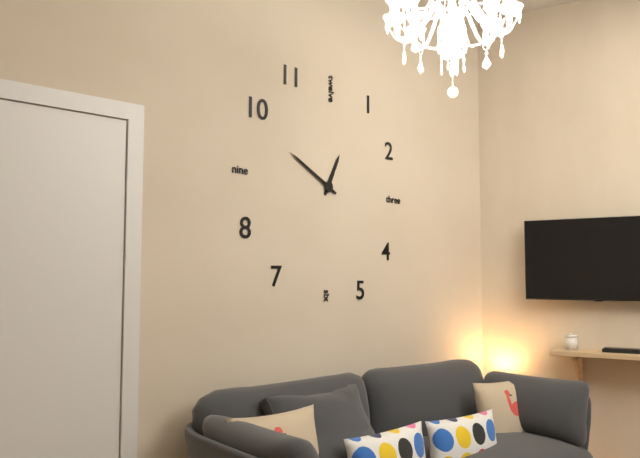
12.50
